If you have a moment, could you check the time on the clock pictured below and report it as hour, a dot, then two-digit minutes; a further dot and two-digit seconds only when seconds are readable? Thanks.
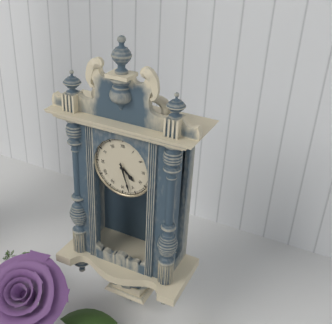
4.27
